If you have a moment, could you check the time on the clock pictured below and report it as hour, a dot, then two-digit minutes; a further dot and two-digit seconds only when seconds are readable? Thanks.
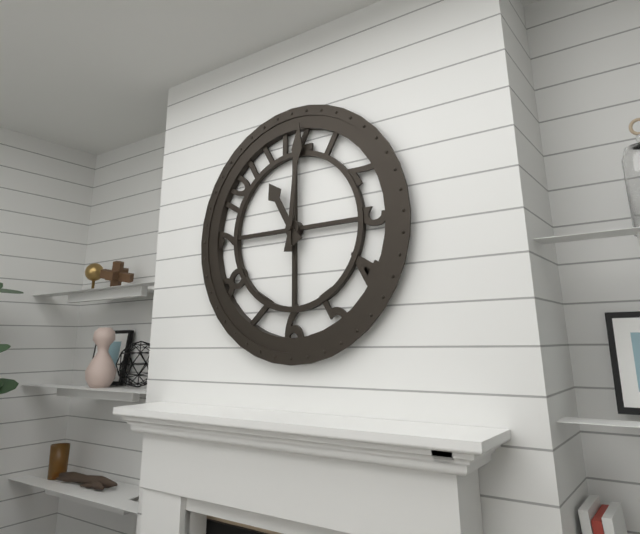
11.01
